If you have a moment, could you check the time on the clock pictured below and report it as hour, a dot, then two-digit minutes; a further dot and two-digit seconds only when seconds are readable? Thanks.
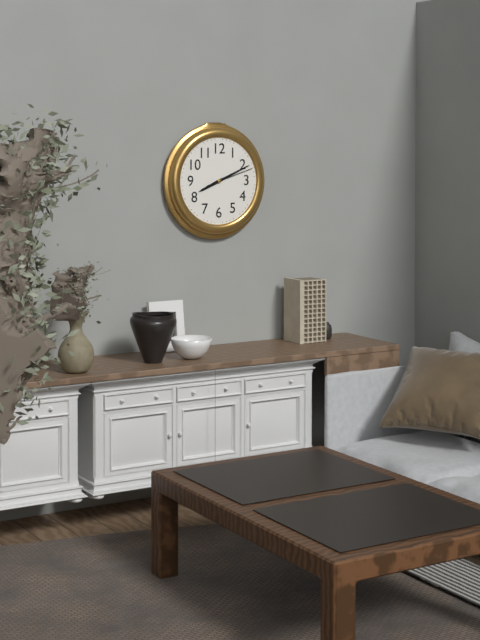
8.11
